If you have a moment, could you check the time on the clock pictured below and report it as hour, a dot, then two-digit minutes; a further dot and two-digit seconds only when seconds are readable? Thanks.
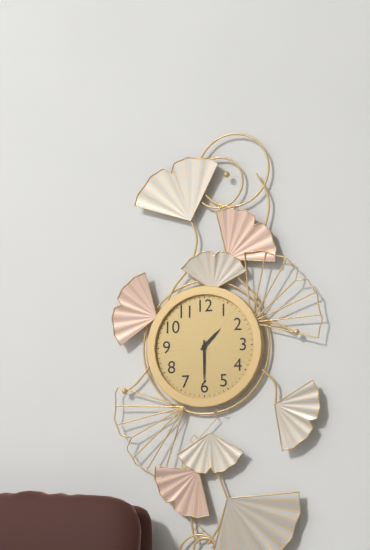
1.30
